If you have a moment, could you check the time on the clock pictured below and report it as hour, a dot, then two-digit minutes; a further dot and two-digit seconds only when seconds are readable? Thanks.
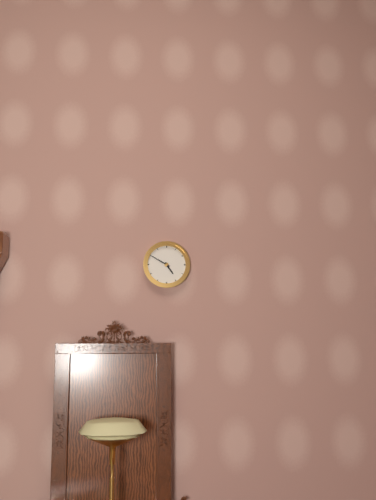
4.50
